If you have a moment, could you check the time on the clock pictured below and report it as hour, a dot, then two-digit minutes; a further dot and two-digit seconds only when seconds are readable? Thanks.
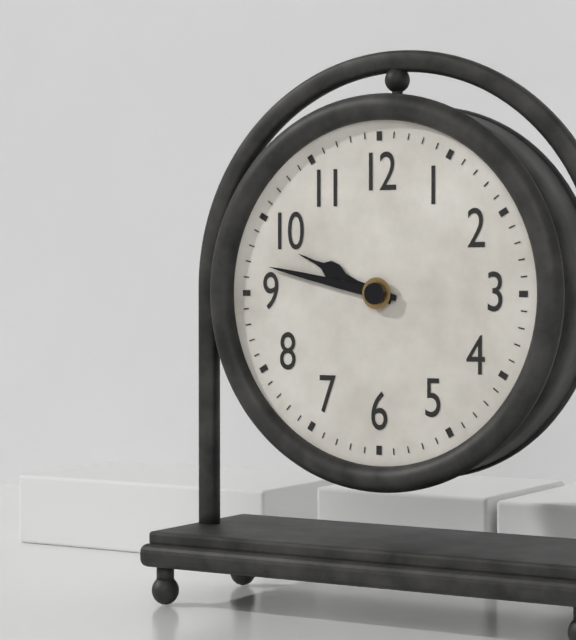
9.47
